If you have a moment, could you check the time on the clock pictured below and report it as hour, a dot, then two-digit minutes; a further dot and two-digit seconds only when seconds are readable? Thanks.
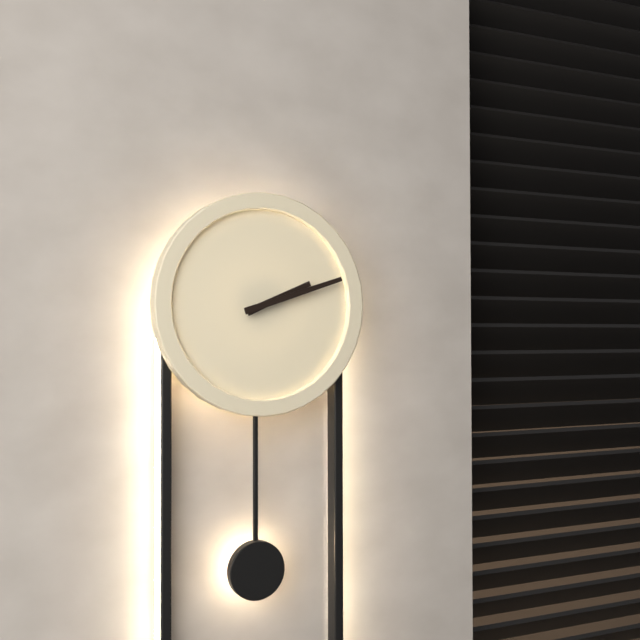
2.12
